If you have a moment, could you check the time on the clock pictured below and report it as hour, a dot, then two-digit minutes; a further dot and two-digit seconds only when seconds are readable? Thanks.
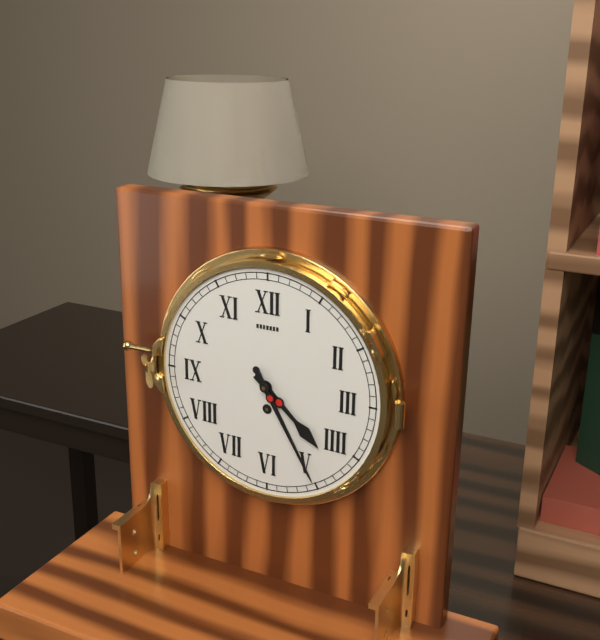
4.25
